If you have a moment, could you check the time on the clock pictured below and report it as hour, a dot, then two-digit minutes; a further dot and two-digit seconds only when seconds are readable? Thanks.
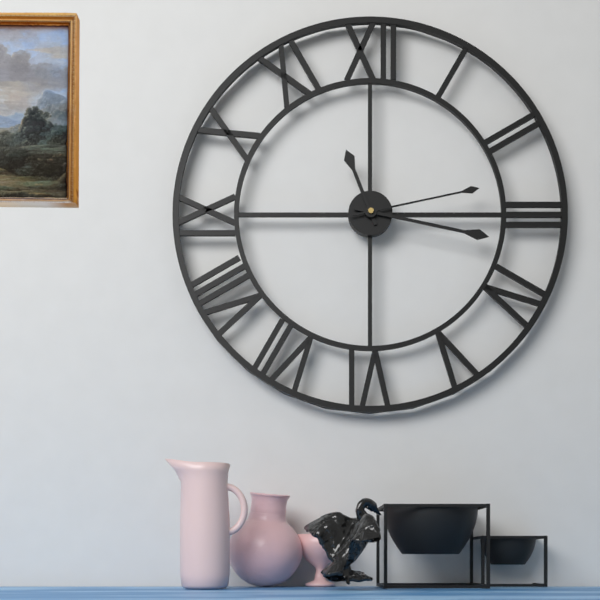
11.17.13
